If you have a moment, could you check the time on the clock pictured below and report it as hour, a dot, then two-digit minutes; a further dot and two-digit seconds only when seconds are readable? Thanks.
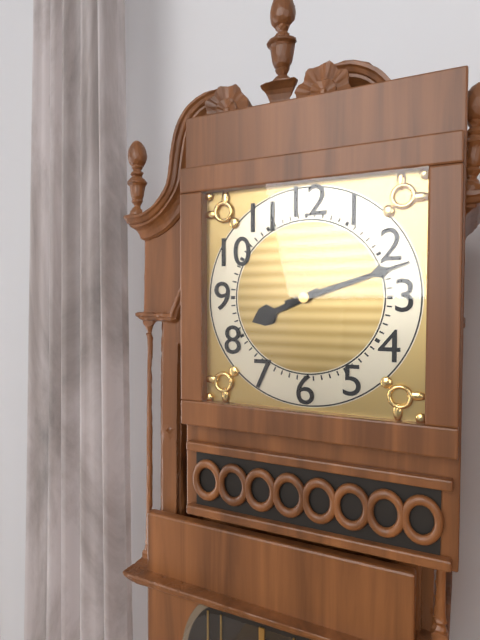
8.12
